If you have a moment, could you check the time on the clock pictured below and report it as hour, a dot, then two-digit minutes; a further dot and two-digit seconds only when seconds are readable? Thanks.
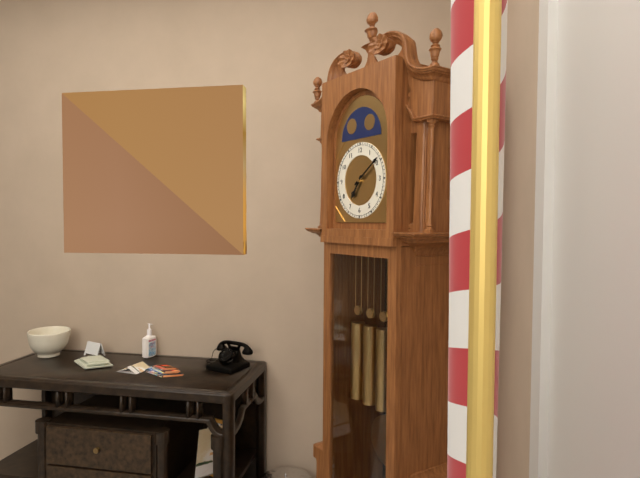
7.09
